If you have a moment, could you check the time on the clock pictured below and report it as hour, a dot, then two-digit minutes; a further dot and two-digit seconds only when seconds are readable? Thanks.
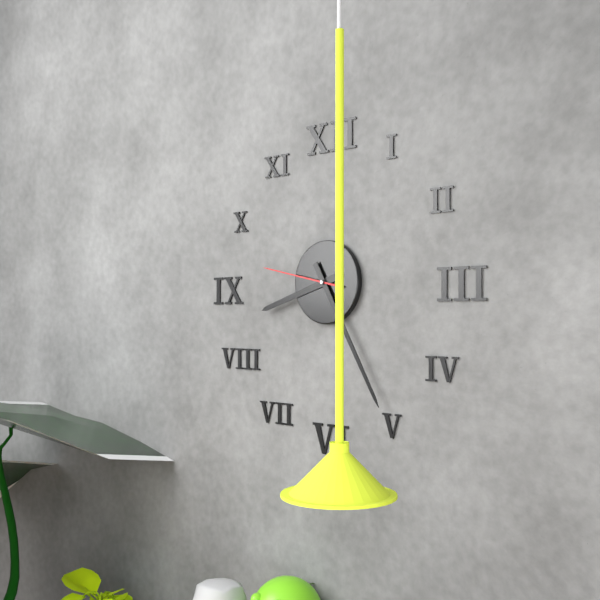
8.25.47
